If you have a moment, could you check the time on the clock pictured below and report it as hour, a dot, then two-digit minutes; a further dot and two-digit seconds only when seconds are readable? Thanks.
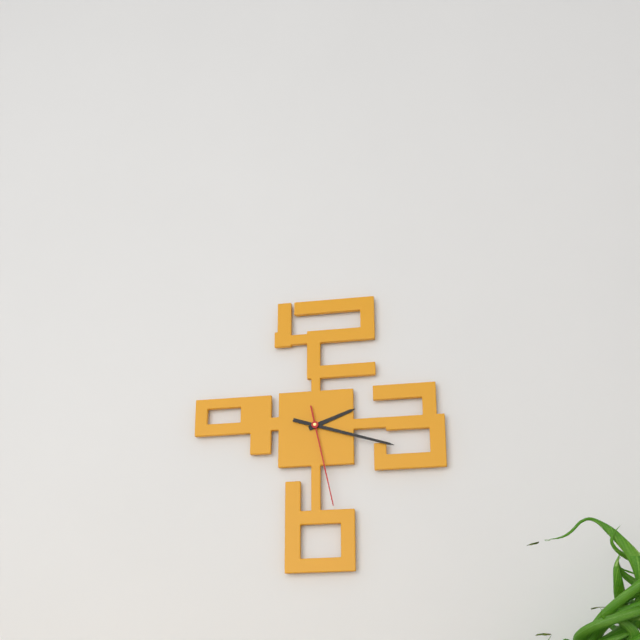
2.18.28
